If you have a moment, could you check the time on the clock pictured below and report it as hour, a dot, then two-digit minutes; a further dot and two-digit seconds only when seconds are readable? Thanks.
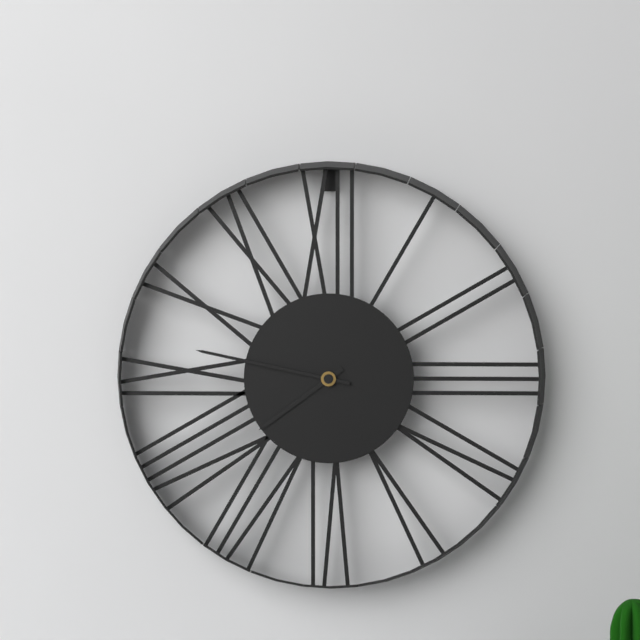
7.47
